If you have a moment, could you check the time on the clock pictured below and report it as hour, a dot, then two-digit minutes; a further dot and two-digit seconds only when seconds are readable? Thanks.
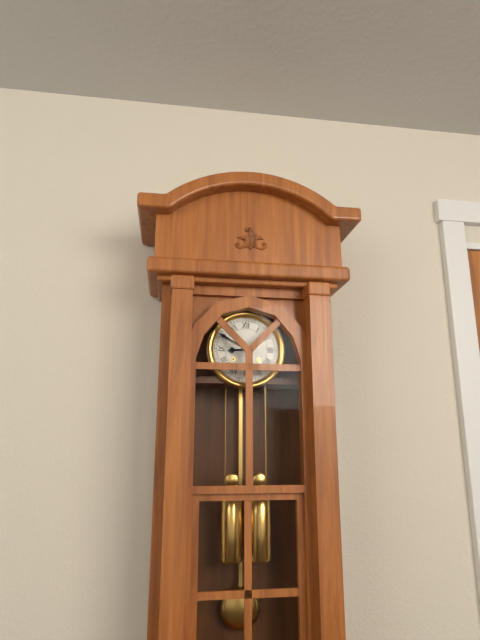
8.50
